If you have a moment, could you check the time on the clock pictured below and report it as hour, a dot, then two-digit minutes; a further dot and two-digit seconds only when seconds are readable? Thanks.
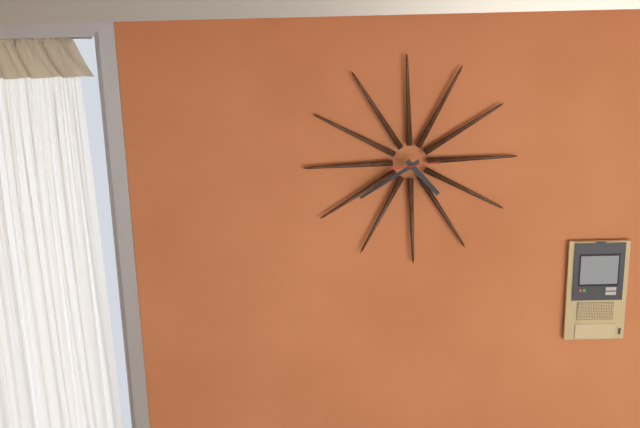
4.40
